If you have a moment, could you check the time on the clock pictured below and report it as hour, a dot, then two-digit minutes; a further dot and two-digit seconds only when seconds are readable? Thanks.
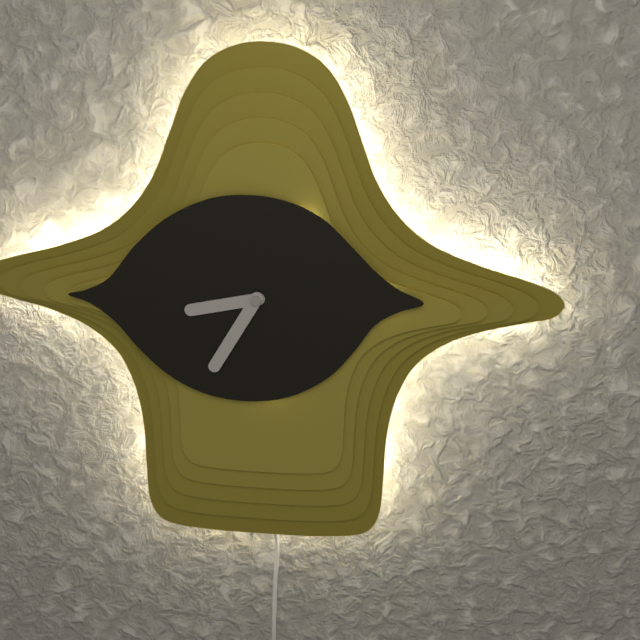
8.35
